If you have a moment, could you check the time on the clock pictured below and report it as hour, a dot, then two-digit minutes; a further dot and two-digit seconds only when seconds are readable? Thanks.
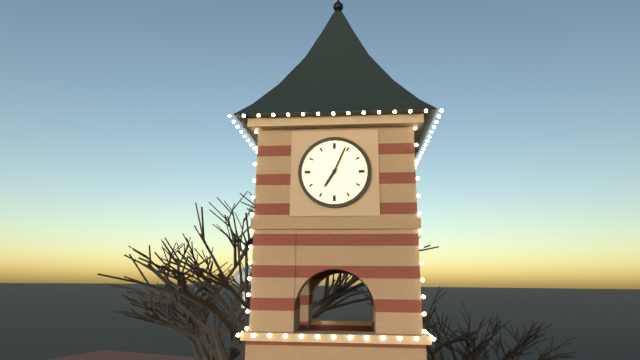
7.04
